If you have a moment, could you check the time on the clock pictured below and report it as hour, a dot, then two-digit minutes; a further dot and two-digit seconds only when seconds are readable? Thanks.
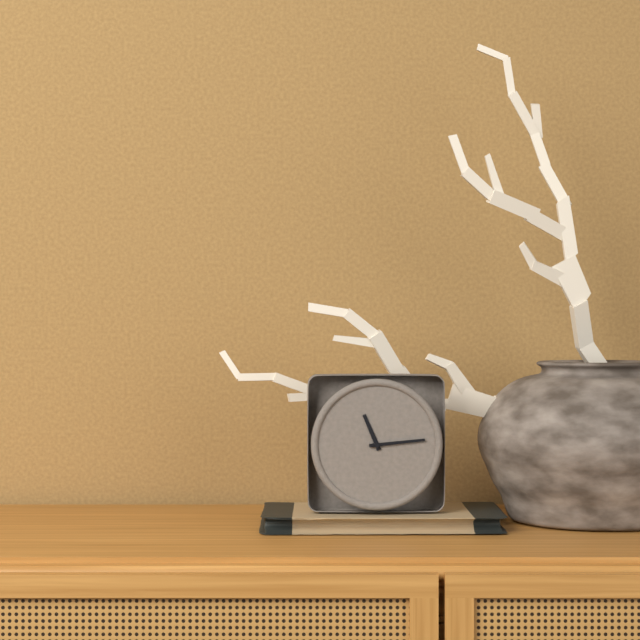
11.14
